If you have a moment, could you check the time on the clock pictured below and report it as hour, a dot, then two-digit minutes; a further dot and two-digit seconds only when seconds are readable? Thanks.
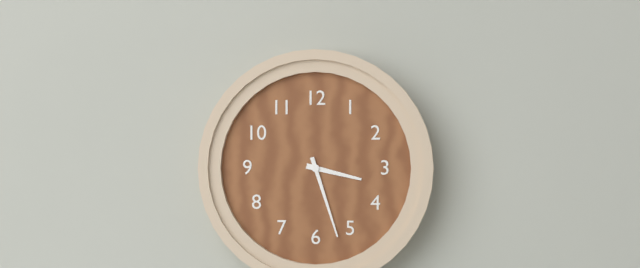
3.27
